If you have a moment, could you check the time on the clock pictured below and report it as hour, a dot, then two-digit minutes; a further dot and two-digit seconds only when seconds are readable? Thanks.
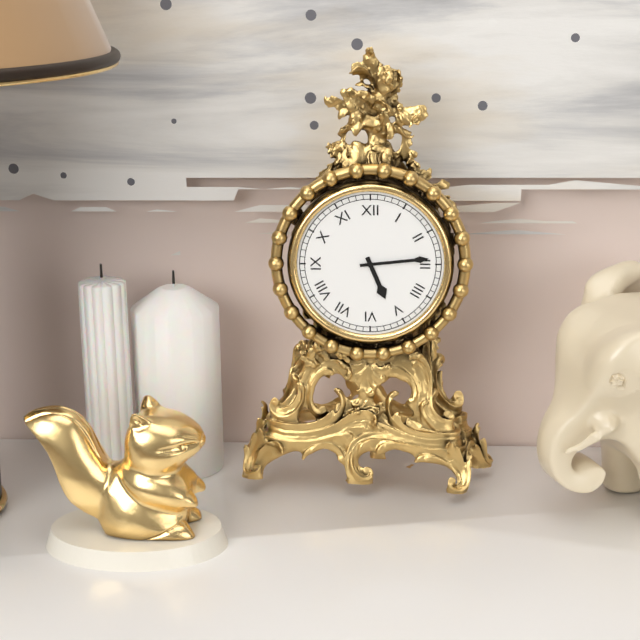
5.14
